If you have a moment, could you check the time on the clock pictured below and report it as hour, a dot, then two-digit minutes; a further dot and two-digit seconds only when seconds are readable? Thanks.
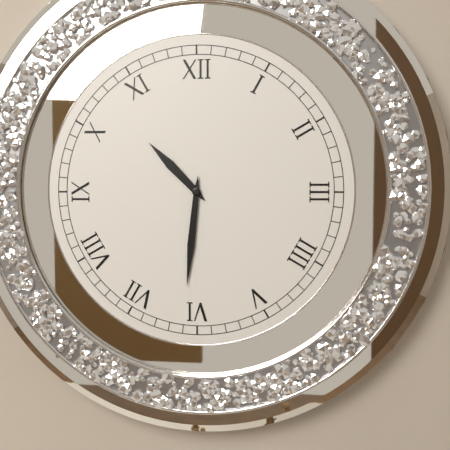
10.31
